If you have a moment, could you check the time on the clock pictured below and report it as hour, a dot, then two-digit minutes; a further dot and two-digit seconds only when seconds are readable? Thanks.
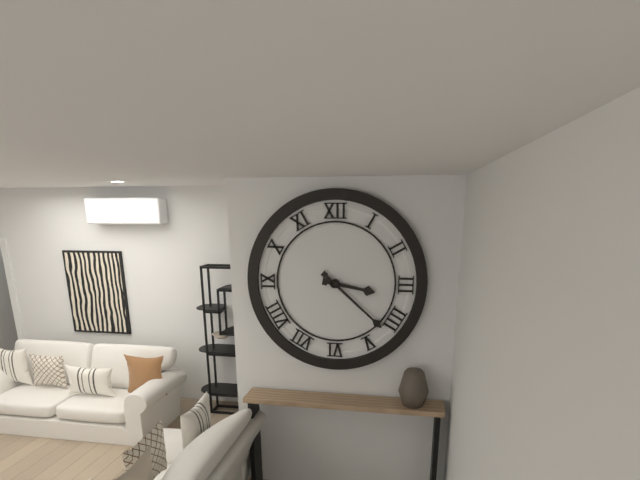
3.22
